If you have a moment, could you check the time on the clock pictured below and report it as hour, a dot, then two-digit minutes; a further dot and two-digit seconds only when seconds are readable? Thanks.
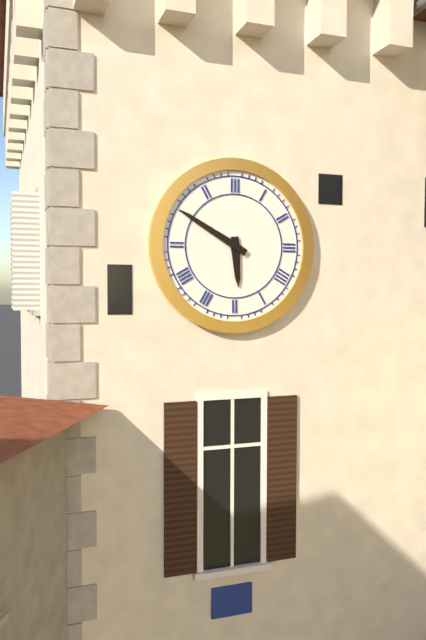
5.50
